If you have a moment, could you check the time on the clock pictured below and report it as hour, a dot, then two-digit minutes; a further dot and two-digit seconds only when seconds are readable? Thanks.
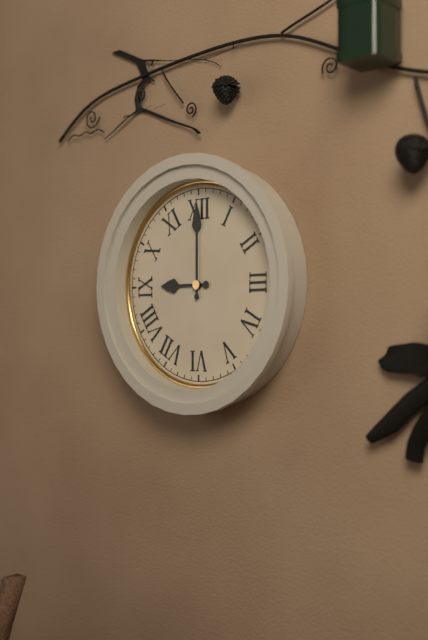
9.00
